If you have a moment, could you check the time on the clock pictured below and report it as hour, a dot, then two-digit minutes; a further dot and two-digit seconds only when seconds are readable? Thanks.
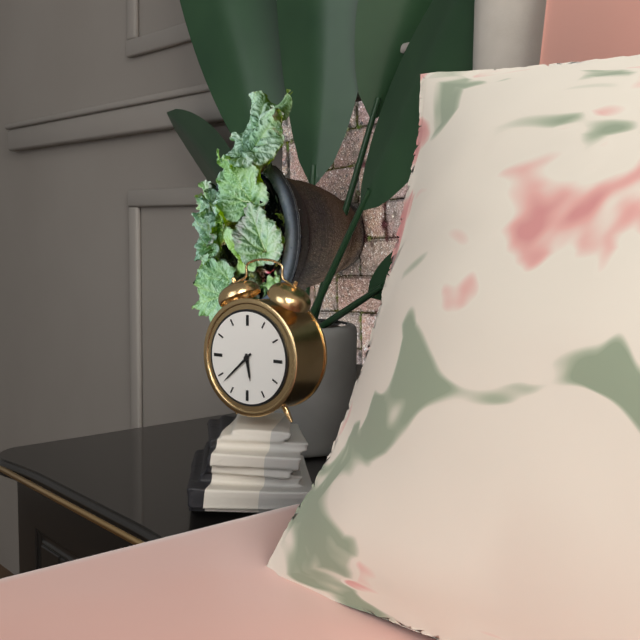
5.38
